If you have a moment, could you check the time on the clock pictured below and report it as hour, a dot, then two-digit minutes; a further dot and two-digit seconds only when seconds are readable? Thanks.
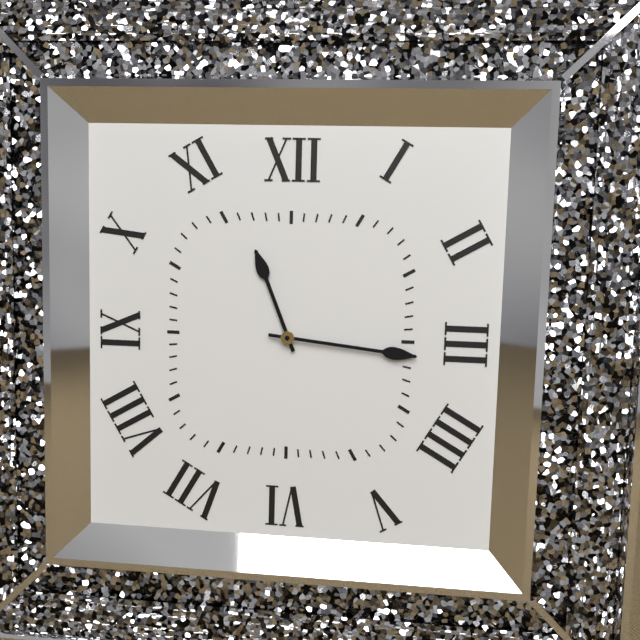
11.16
